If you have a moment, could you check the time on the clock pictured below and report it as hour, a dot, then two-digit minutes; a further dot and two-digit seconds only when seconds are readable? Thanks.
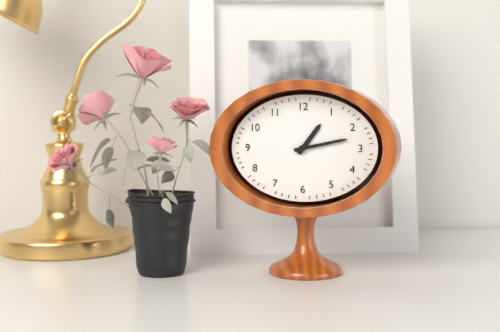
1.13
